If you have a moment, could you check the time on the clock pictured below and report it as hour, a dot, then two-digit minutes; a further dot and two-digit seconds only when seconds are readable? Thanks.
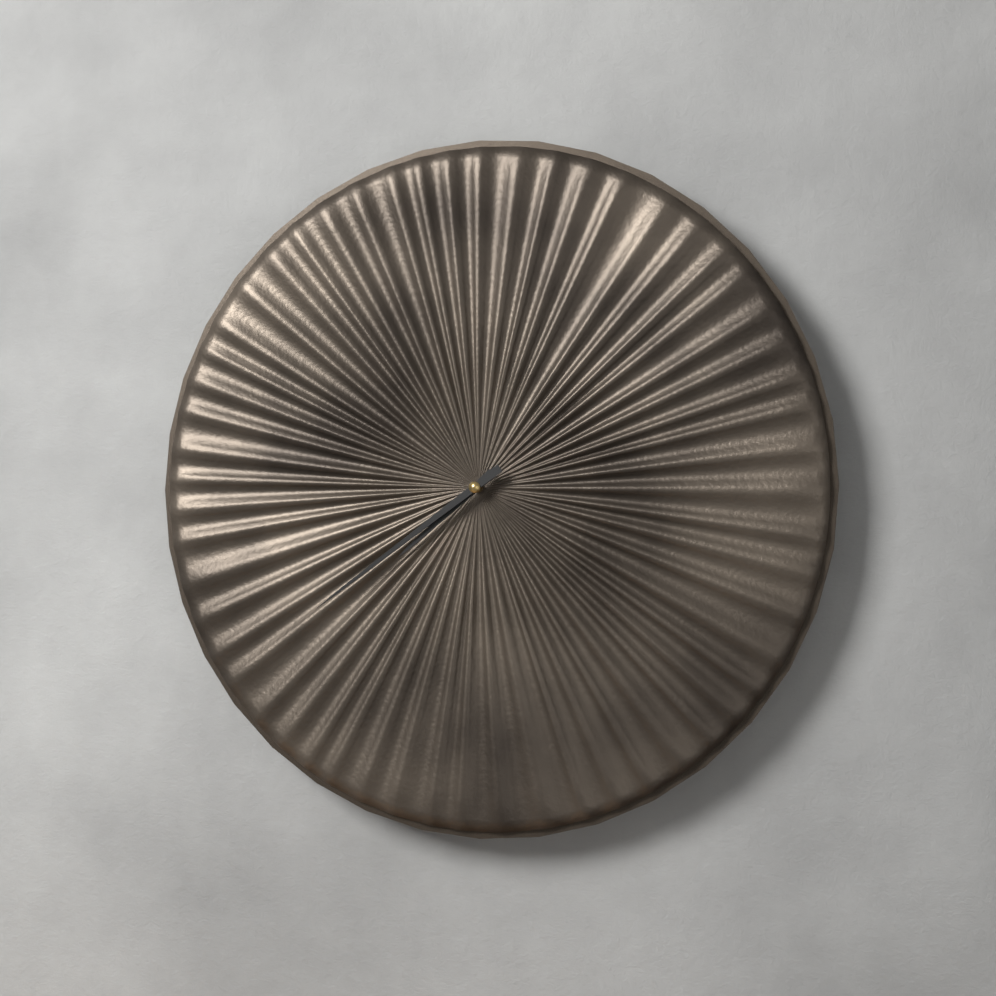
7.39
